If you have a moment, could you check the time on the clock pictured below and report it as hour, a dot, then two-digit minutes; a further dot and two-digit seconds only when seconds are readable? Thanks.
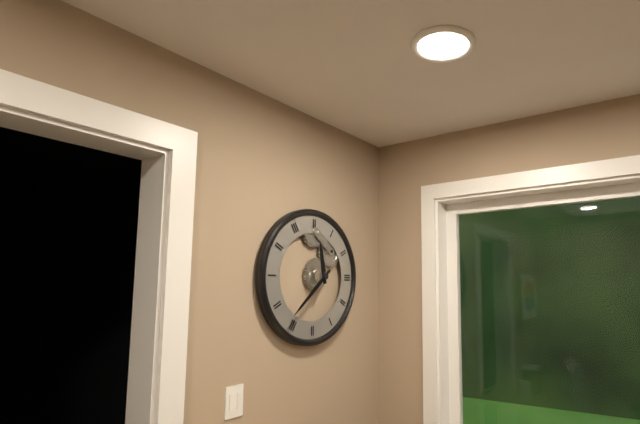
11.38
